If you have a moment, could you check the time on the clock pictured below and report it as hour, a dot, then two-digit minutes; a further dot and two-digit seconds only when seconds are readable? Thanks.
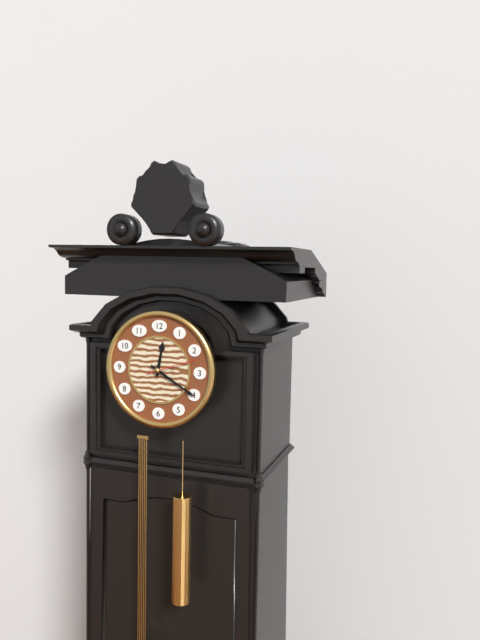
12.20
